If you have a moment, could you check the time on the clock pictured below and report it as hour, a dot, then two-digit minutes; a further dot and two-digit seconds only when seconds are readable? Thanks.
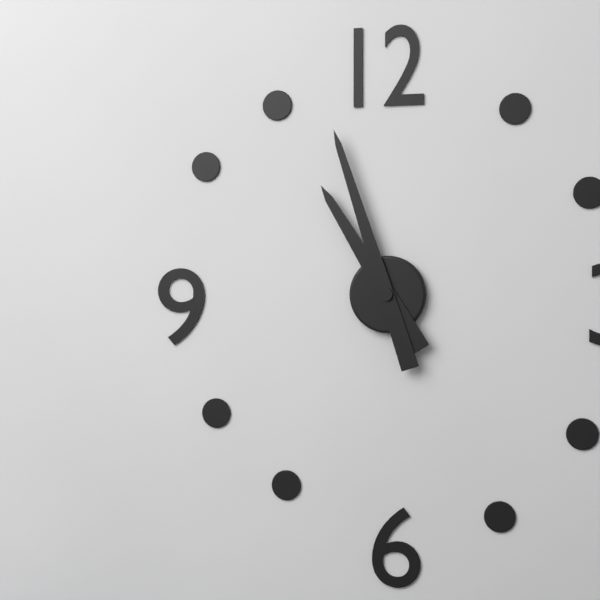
10.57
